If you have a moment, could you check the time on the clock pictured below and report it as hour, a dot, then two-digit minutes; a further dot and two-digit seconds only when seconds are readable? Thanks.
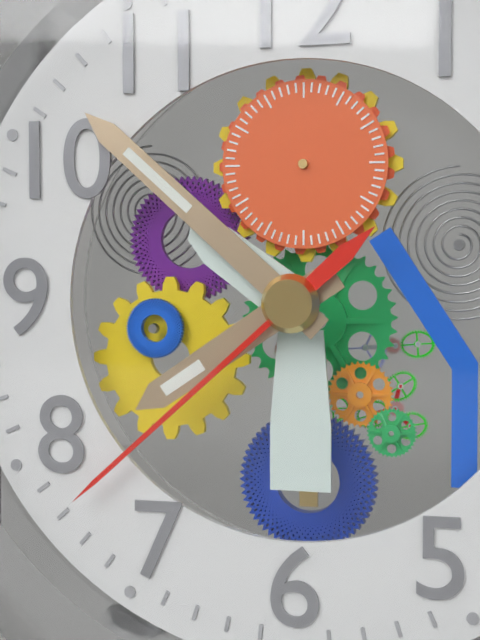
7.52.38
